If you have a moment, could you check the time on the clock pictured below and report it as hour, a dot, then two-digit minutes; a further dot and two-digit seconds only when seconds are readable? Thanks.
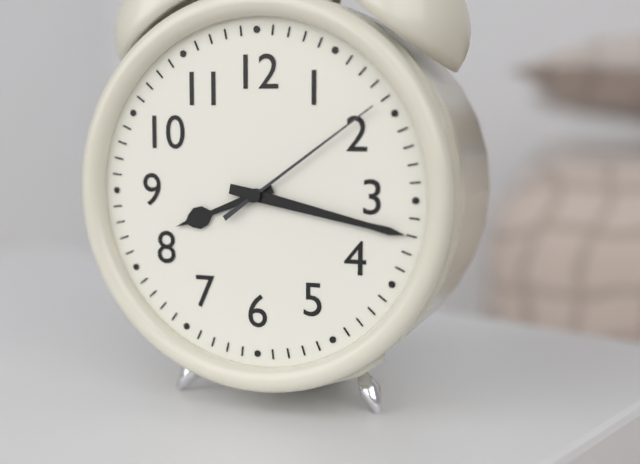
8.17.09
